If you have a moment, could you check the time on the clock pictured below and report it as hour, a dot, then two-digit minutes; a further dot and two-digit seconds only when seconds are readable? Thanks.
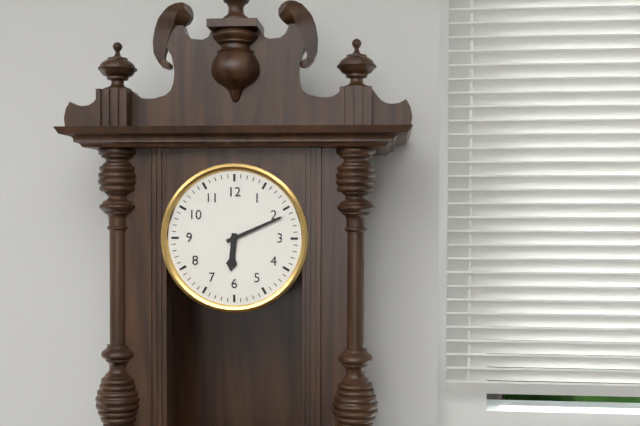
6.11
